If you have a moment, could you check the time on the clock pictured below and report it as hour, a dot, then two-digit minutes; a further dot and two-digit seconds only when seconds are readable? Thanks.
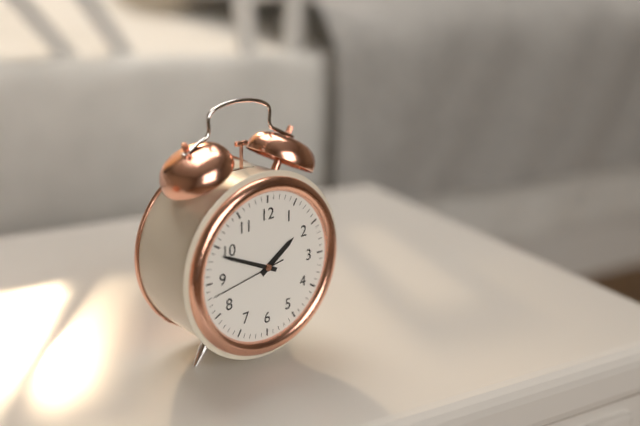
1.49.43
